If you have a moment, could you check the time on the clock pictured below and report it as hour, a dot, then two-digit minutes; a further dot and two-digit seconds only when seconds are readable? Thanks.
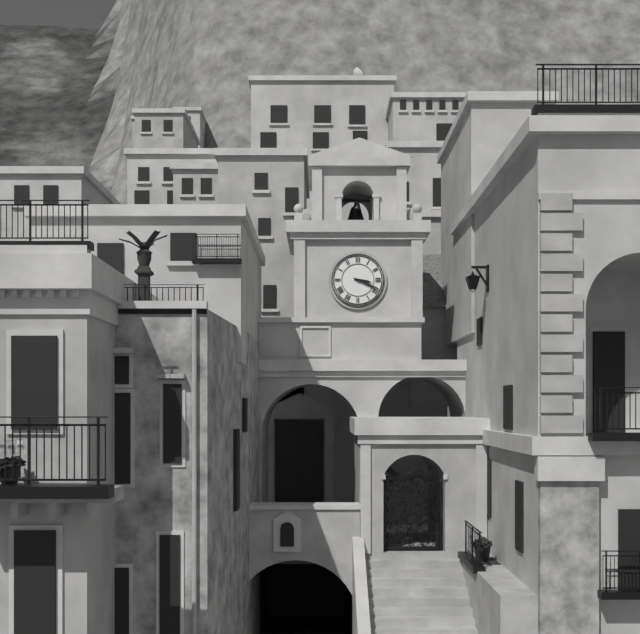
3.19
